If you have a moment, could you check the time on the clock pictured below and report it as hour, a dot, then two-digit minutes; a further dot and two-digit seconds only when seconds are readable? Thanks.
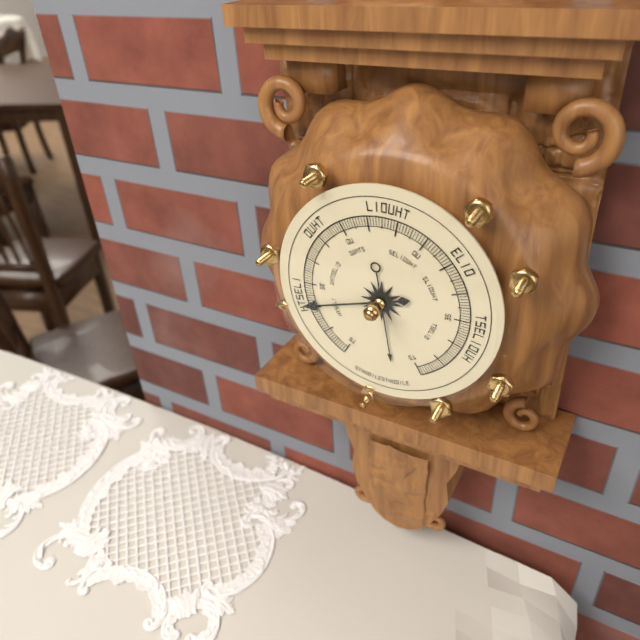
5.42
